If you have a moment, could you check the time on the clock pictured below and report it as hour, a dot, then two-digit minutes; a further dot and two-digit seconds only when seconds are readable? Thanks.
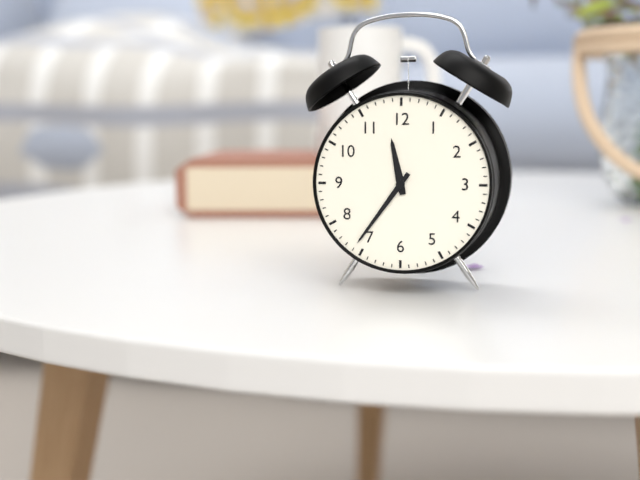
11.36
